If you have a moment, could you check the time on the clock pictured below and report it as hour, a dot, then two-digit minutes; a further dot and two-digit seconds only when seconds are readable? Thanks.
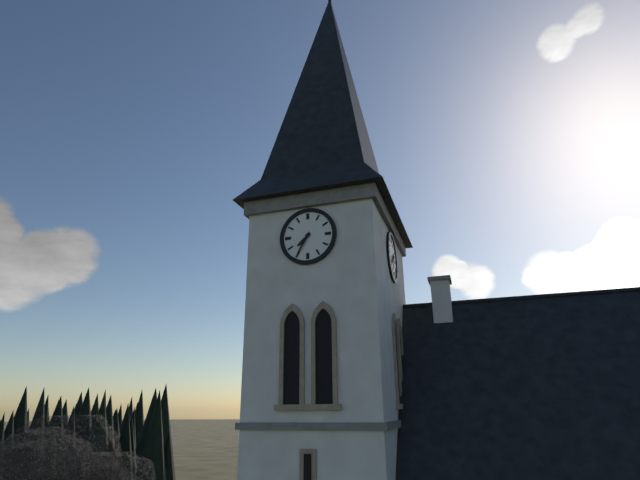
7.35
